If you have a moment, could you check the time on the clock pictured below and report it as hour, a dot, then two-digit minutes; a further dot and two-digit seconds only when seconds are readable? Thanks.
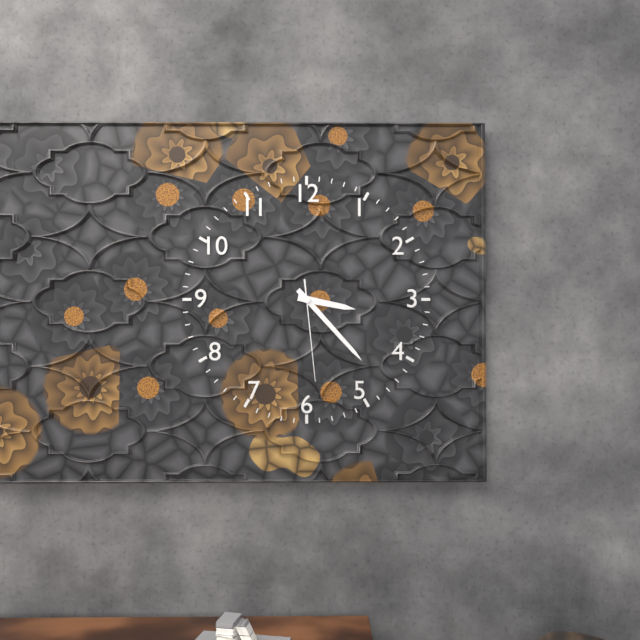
3.23.29
